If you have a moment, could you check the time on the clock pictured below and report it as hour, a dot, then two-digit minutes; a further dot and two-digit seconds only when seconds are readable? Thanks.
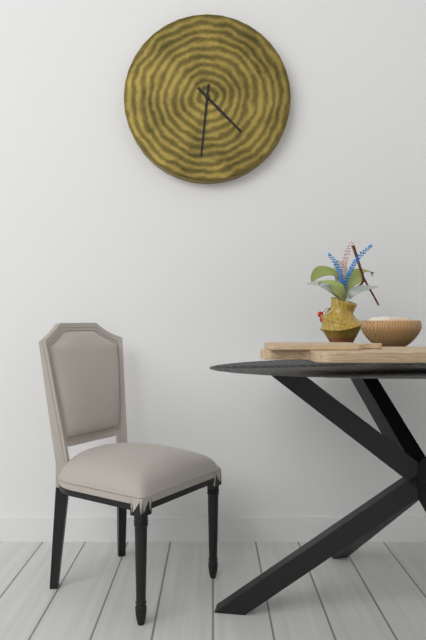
4.31
